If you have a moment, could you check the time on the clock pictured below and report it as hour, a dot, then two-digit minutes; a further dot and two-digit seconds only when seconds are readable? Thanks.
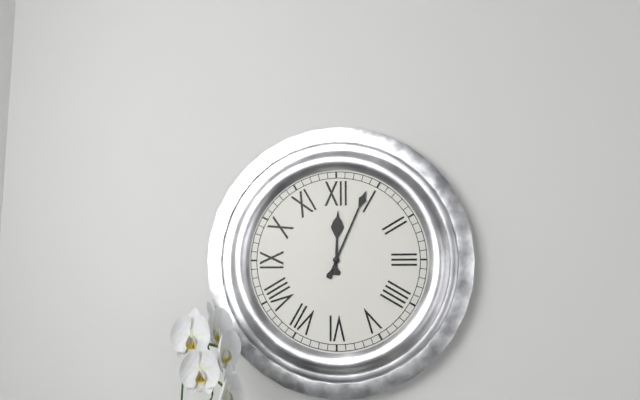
12.04
